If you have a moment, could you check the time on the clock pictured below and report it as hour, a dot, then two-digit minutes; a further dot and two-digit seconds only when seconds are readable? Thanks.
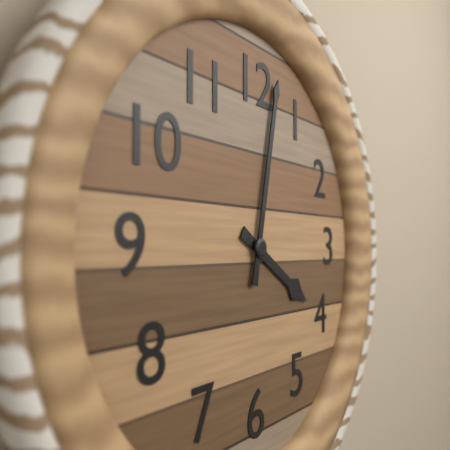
4.02
